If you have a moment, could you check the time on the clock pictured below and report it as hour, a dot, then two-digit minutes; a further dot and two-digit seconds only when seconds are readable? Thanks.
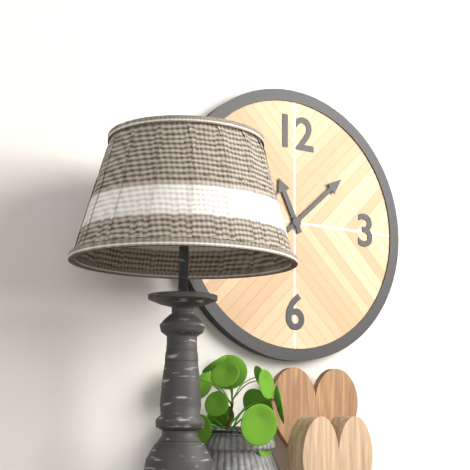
11.08
